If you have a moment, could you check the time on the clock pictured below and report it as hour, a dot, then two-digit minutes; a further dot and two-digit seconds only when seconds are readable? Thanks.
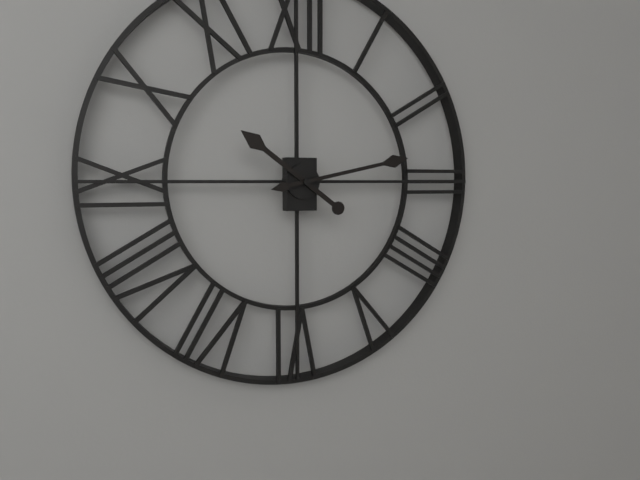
10.13
